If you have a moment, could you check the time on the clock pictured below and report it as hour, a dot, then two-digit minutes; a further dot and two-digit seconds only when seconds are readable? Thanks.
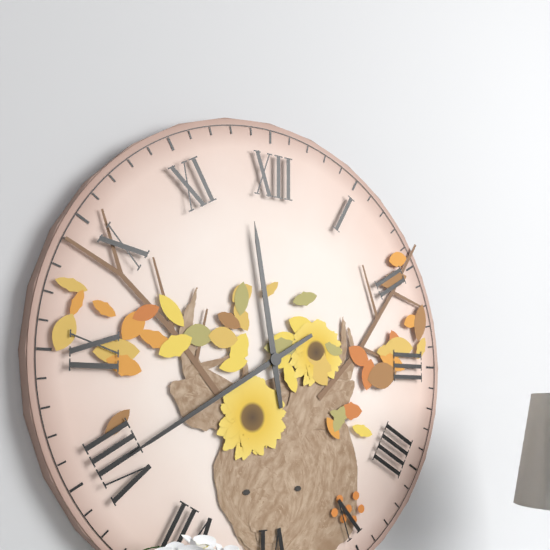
11.40
